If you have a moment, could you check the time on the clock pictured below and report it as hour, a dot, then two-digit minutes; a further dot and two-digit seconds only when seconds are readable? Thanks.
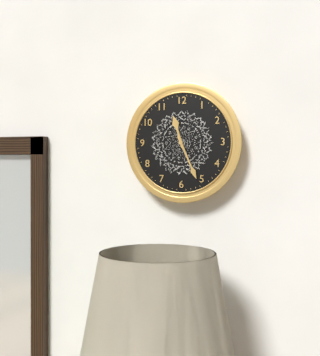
11.26
